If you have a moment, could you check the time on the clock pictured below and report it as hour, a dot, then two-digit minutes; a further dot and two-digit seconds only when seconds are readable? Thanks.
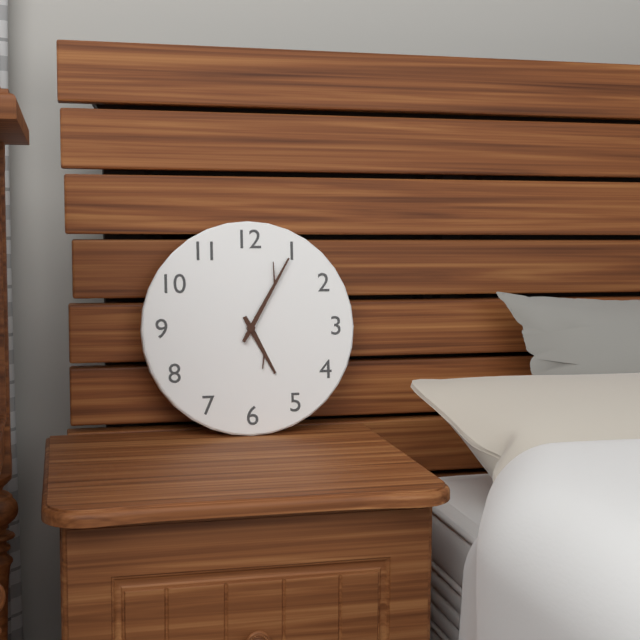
5.05
